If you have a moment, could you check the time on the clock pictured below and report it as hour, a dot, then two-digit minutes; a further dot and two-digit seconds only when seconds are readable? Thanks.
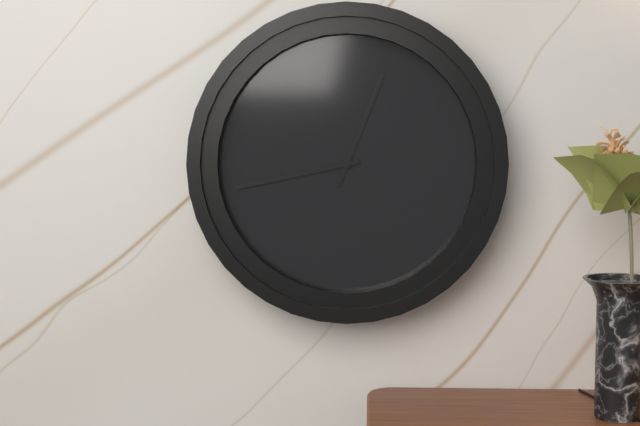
12.43
